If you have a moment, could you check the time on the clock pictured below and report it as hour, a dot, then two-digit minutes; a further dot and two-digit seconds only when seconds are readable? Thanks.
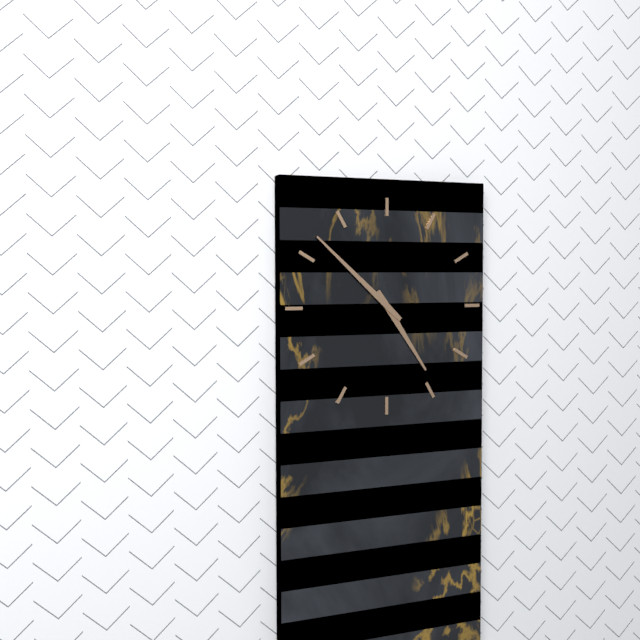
4.52
